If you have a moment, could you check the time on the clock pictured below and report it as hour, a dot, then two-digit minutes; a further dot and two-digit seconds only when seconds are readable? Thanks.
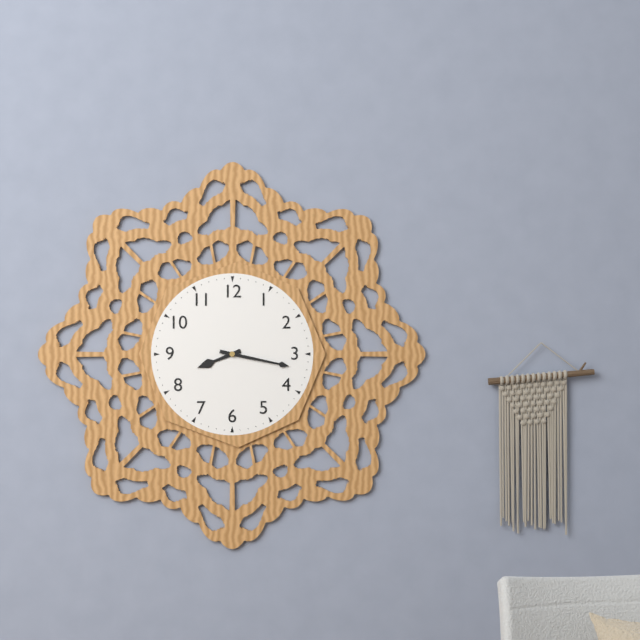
8.17
